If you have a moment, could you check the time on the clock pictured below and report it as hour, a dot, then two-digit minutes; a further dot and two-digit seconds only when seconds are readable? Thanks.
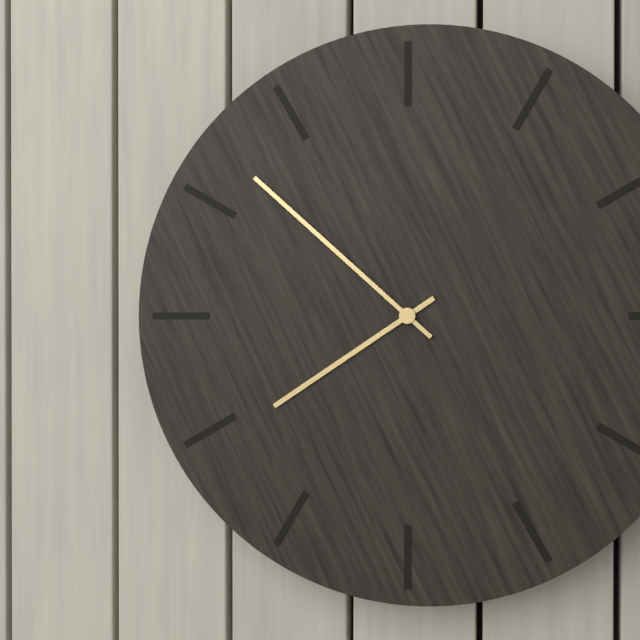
7.52
